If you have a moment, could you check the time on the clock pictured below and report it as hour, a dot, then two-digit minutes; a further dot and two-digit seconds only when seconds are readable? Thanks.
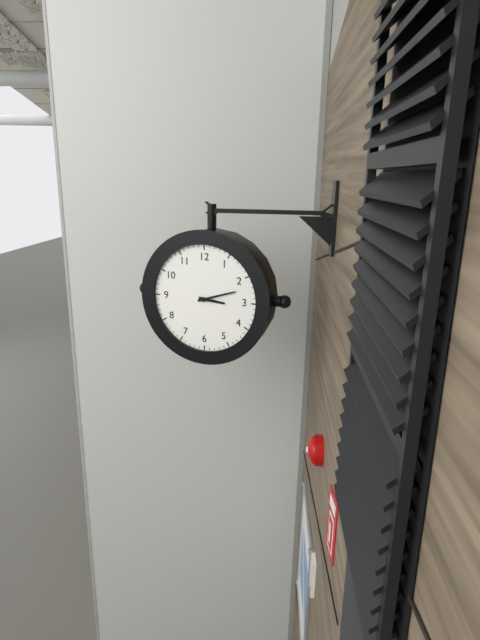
3.12
